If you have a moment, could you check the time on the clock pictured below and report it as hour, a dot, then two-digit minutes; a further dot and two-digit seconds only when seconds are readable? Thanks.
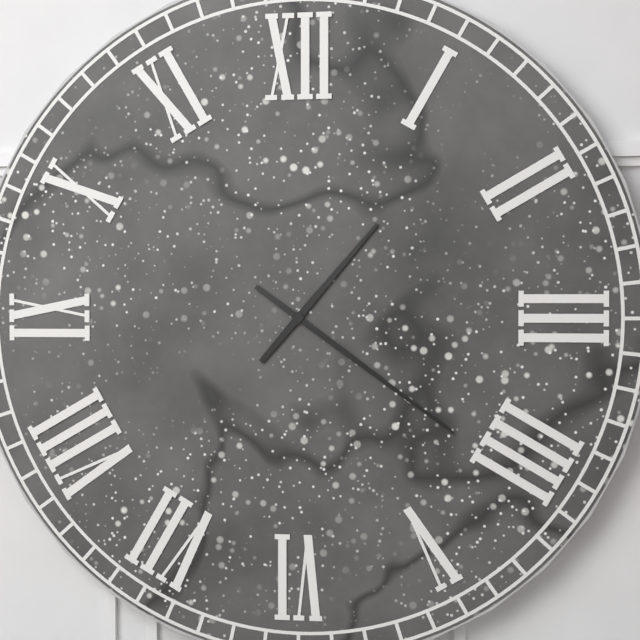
1.21
